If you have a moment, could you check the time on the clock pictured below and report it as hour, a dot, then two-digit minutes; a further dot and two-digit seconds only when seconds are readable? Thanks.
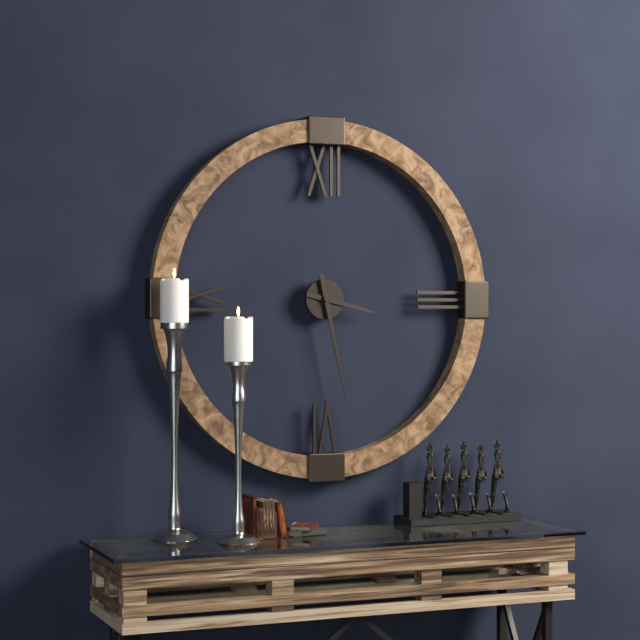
3.28
